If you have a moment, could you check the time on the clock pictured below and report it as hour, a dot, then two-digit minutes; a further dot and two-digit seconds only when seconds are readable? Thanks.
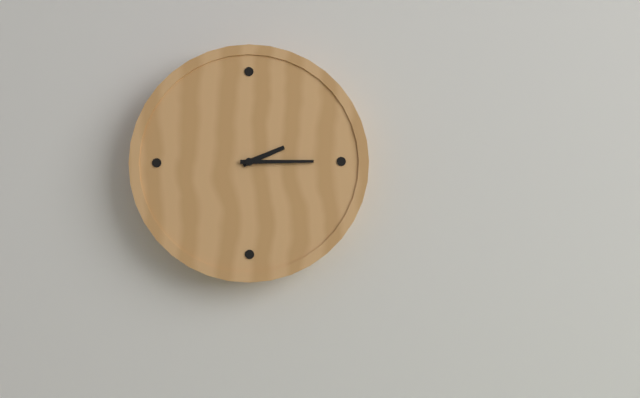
2.15
